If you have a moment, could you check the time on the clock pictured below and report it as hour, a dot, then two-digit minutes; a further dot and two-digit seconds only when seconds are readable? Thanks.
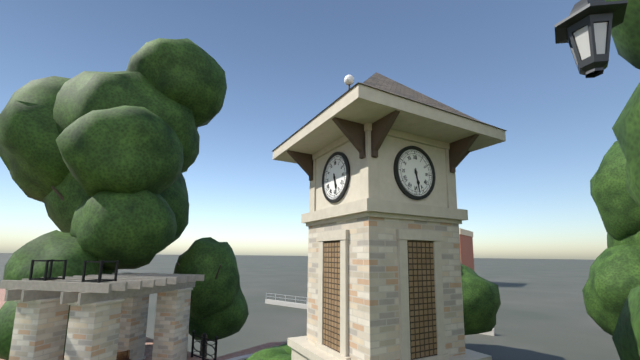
5.28
